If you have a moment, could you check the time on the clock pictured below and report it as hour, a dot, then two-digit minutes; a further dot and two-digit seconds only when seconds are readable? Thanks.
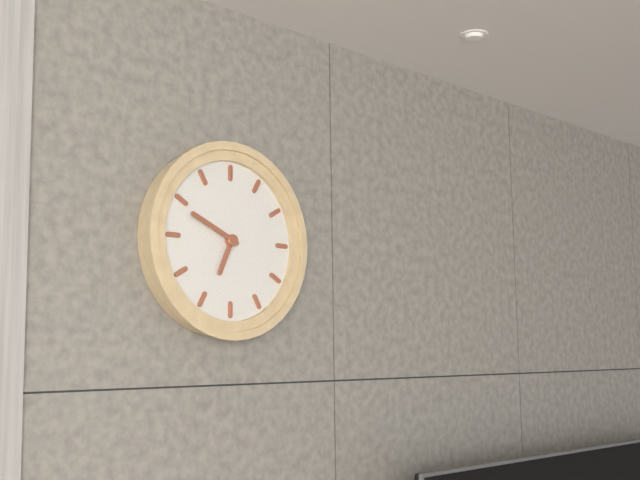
6.49
